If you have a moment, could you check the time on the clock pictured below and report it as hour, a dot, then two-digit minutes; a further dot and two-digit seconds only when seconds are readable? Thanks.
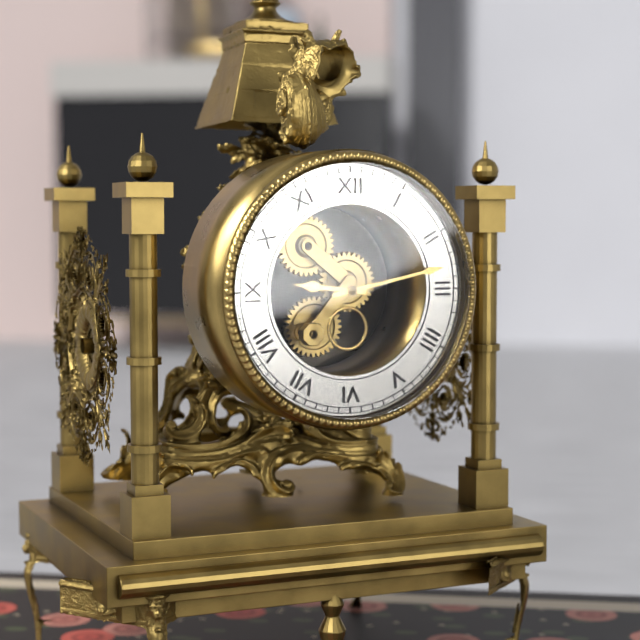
9.13
